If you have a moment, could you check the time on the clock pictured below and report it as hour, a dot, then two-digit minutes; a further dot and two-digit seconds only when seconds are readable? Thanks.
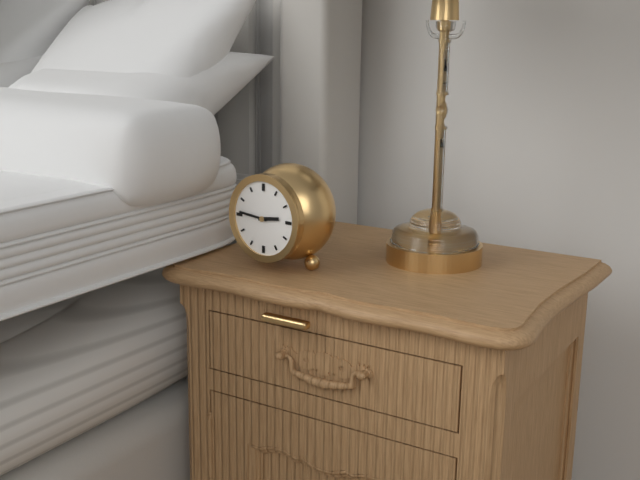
2.46
